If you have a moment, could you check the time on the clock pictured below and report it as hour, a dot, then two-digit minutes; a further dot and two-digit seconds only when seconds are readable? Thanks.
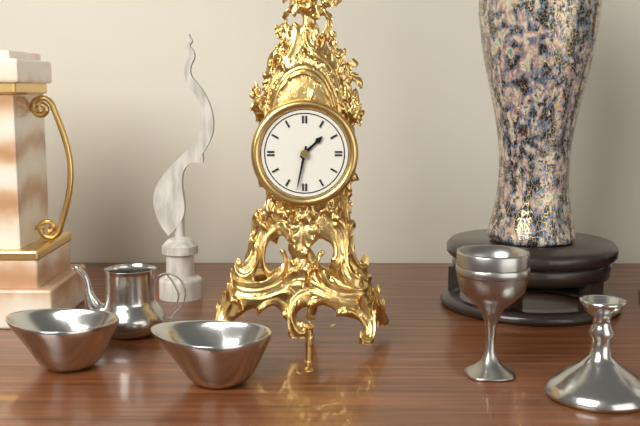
1.32
